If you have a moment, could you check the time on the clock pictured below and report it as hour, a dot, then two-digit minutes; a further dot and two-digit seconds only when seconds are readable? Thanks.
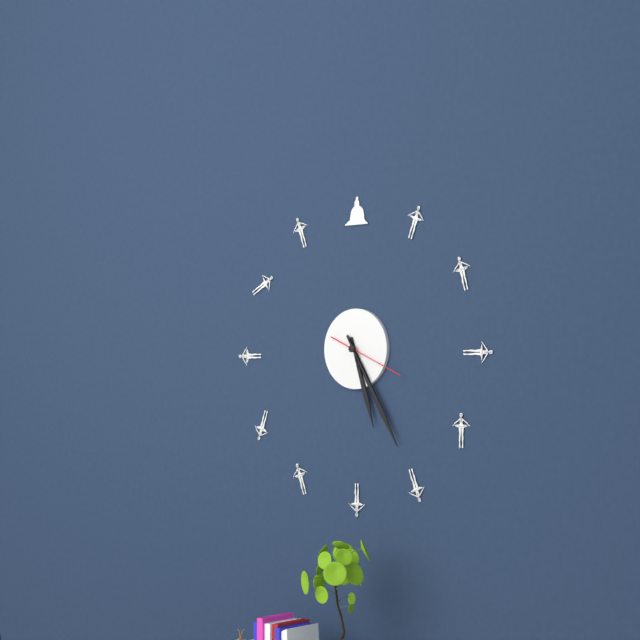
5.25.19
